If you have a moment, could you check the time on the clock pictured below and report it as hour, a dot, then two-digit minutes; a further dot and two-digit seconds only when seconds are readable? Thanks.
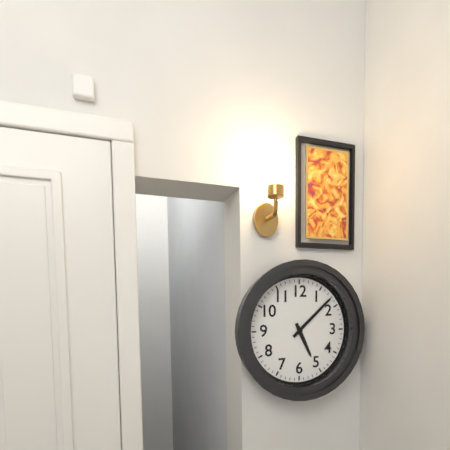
5.08
